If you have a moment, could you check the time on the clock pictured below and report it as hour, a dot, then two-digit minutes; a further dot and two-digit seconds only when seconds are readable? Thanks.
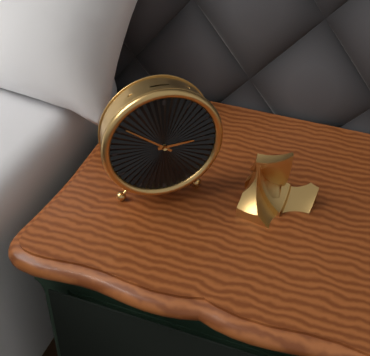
2.51
